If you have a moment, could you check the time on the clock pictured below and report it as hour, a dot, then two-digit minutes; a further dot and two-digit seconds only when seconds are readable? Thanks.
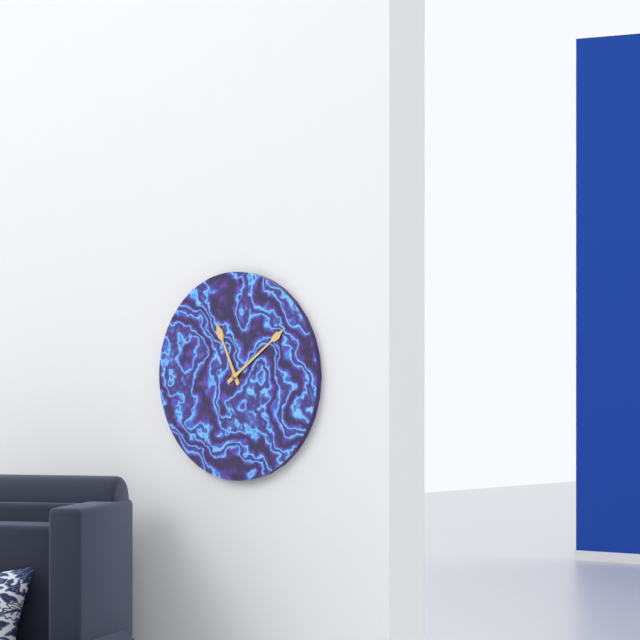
11.09
